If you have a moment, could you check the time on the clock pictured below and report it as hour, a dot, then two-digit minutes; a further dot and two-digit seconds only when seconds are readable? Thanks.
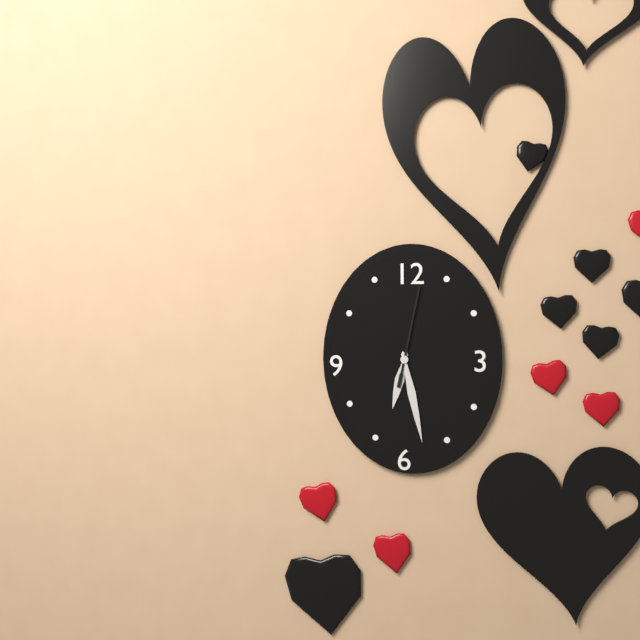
6.28.02
